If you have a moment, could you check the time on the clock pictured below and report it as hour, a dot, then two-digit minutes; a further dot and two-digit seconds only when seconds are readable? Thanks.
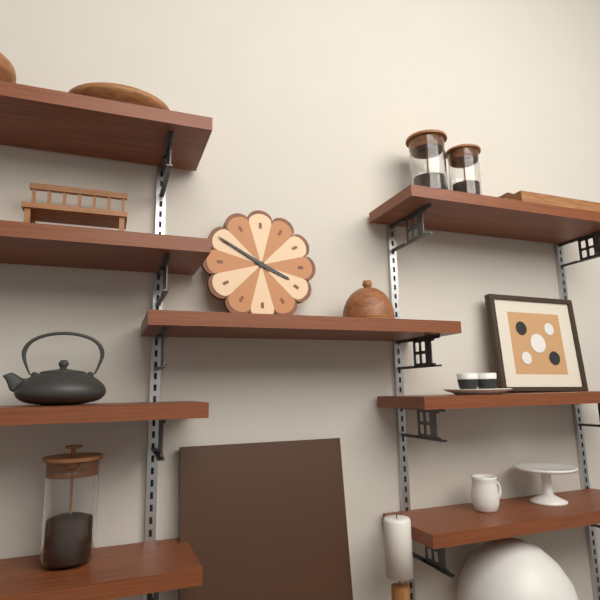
3.50
